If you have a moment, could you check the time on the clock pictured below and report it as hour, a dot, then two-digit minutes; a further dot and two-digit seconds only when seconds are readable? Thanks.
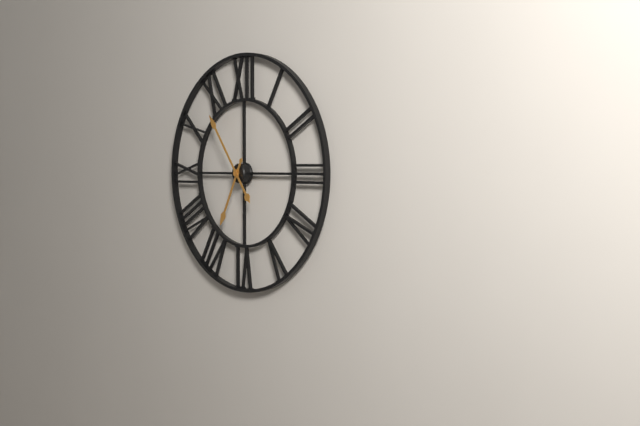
6.54
